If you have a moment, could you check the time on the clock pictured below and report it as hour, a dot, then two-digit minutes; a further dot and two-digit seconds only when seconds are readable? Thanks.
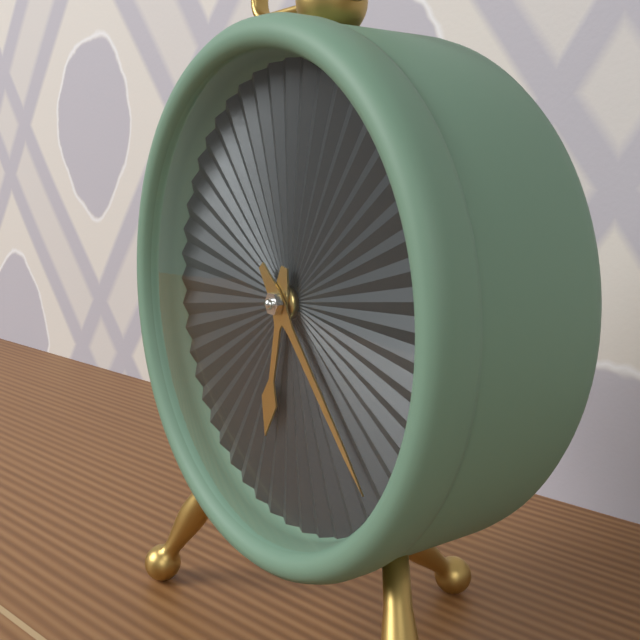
6.23
